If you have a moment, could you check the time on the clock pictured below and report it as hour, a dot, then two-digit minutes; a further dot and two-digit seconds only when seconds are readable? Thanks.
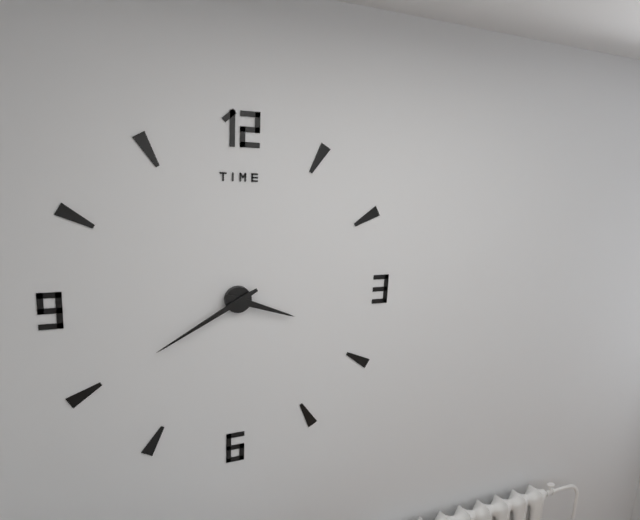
3.40
